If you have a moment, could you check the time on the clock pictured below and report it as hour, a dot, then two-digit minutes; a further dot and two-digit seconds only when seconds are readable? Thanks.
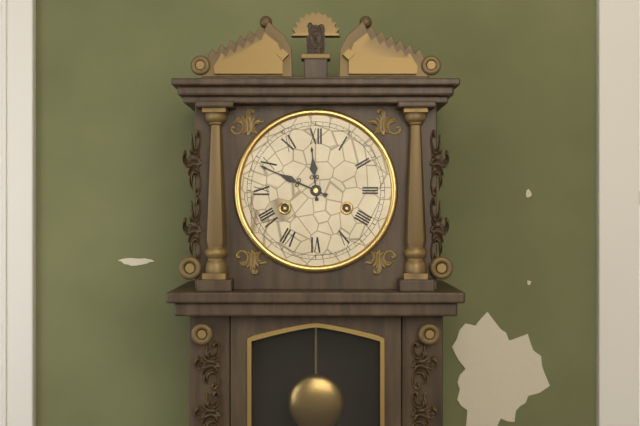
11.49
